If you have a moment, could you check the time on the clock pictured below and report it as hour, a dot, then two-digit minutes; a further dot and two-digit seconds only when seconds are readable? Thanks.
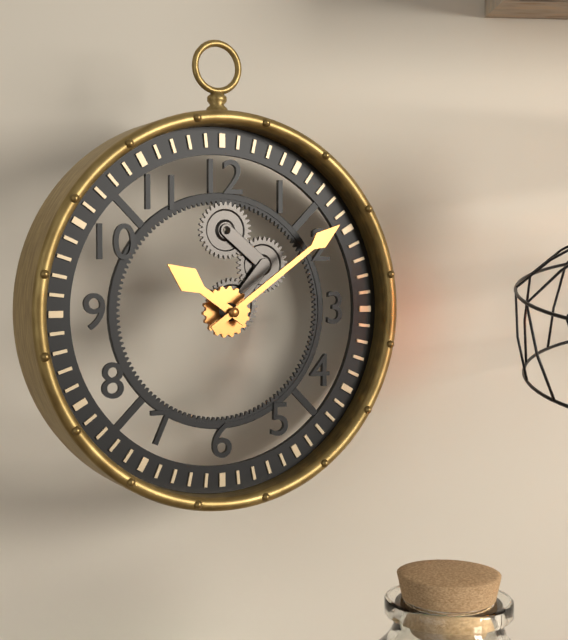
10.09
